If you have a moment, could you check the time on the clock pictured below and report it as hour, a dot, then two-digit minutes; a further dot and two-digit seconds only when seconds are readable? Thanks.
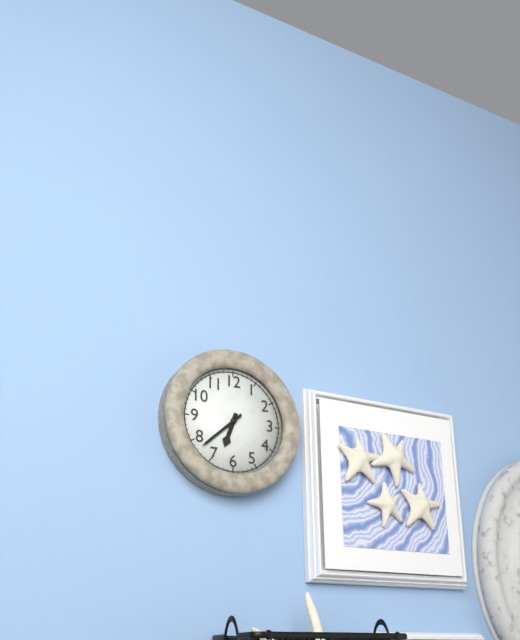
6.38
